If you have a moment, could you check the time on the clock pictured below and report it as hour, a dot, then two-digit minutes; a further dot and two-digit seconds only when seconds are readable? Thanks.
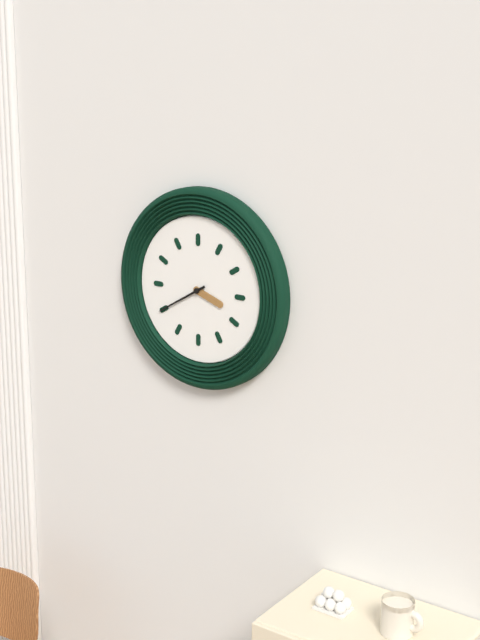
3.40
